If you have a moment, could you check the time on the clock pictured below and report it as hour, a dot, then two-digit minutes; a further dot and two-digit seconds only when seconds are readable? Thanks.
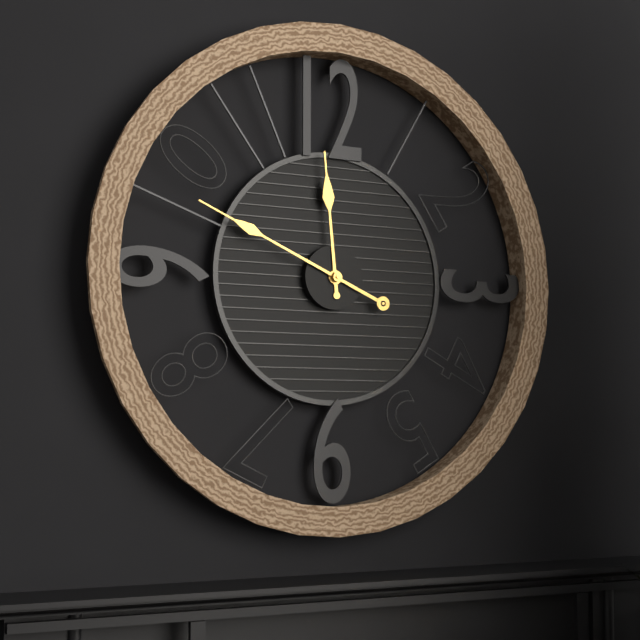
11.49
